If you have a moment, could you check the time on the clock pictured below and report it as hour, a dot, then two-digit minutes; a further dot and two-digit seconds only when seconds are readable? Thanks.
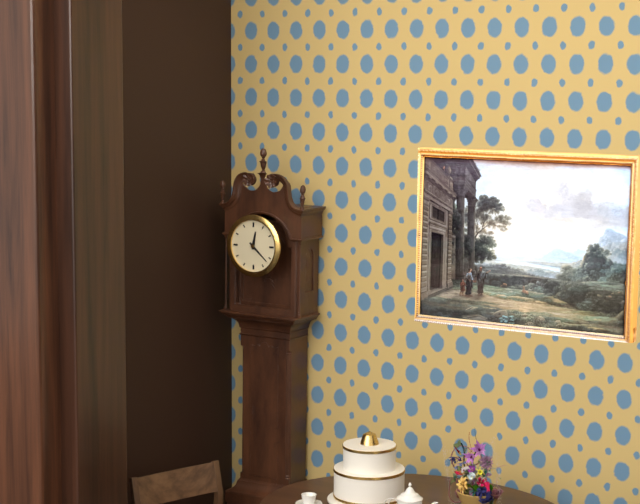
12.22
